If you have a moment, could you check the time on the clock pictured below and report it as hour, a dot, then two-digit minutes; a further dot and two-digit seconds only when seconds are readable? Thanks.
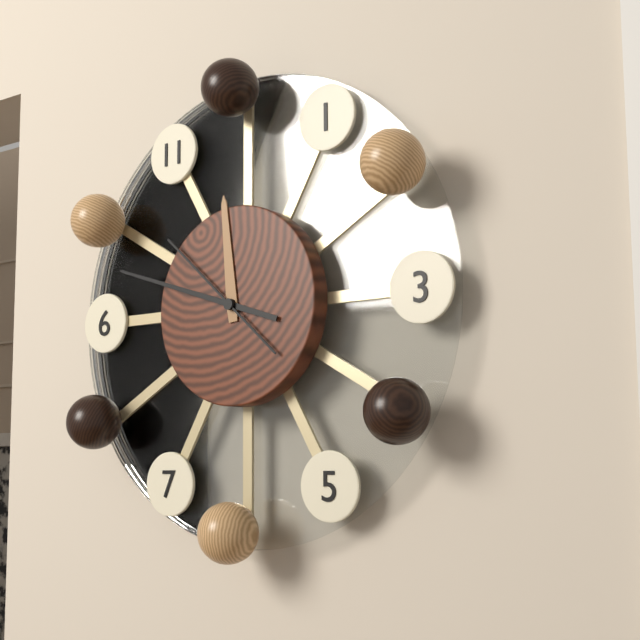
11.48.52
